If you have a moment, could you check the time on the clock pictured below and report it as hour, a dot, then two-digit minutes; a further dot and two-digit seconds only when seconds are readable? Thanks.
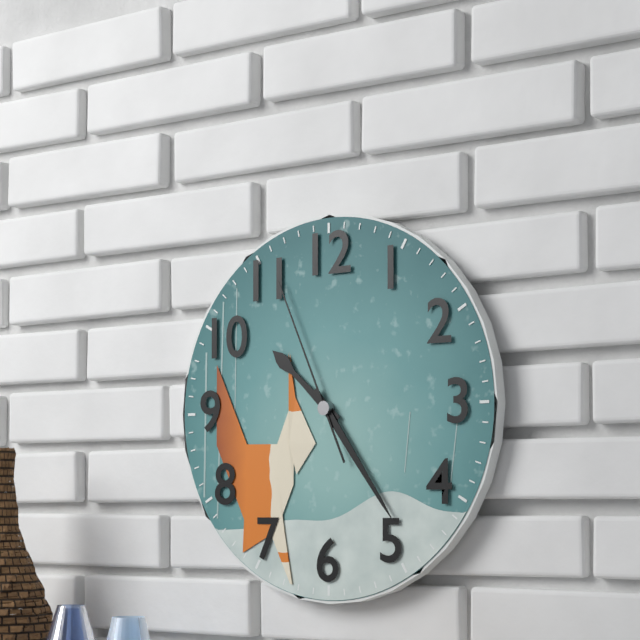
10.24.56
